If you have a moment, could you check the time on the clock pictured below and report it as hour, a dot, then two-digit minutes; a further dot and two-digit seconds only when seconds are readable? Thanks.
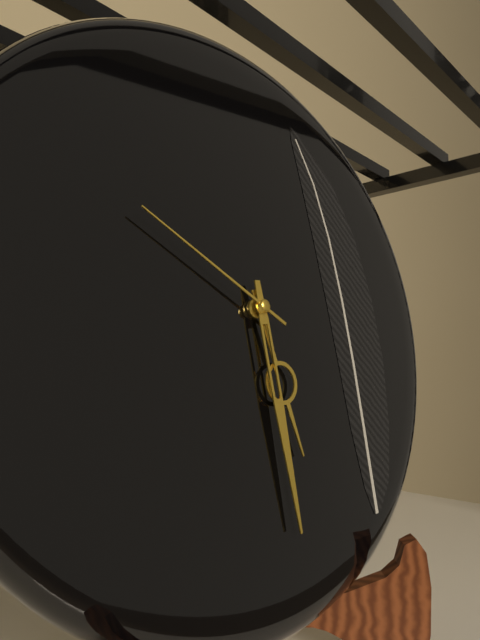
5.29.50
